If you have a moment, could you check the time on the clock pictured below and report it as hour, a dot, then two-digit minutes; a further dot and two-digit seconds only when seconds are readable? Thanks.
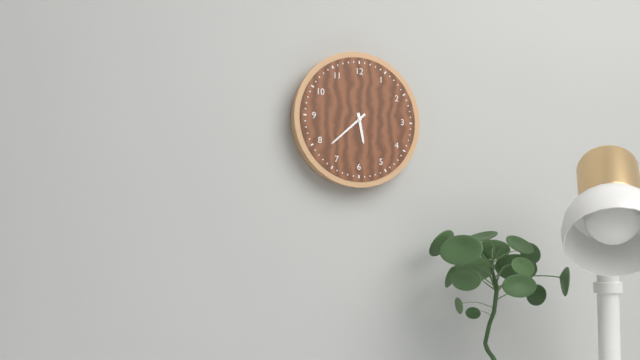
5.38
